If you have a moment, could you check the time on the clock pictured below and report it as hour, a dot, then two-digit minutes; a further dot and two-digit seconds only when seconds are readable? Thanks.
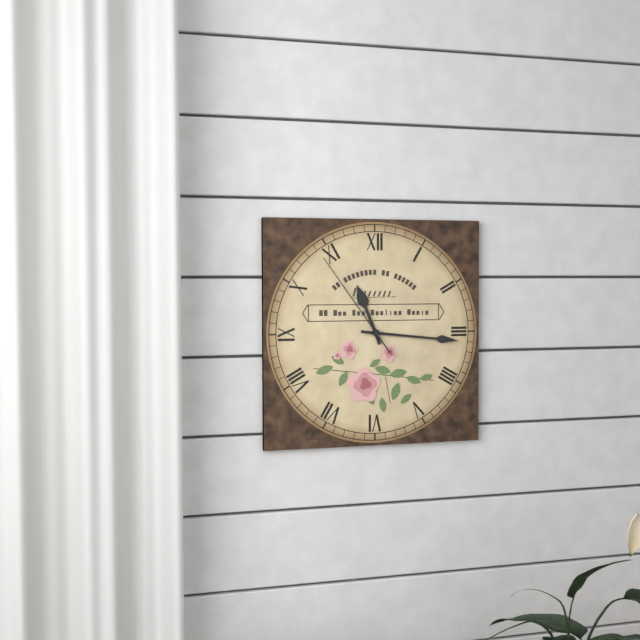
11.16.54
